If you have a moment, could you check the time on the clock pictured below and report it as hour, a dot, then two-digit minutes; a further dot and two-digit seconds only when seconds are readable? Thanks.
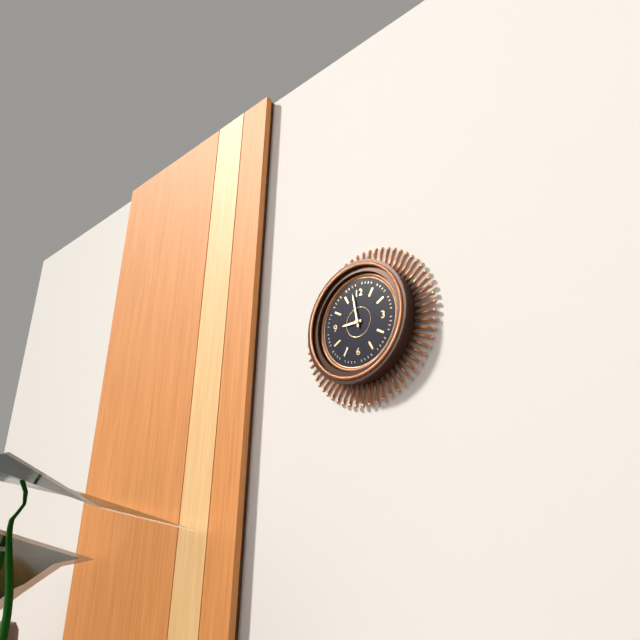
8.58
